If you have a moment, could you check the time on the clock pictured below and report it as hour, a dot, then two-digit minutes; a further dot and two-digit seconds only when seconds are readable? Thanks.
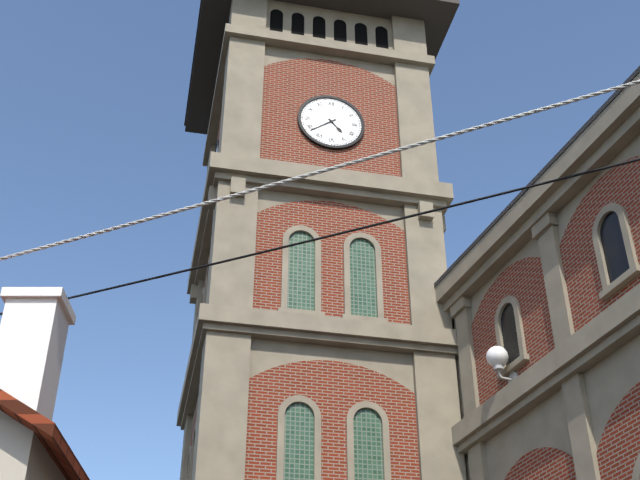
4.39
